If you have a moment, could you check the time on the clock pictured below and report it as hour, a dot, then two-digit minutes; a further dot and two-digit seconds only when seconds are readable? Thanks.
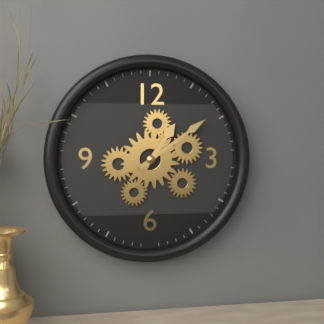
1.09
